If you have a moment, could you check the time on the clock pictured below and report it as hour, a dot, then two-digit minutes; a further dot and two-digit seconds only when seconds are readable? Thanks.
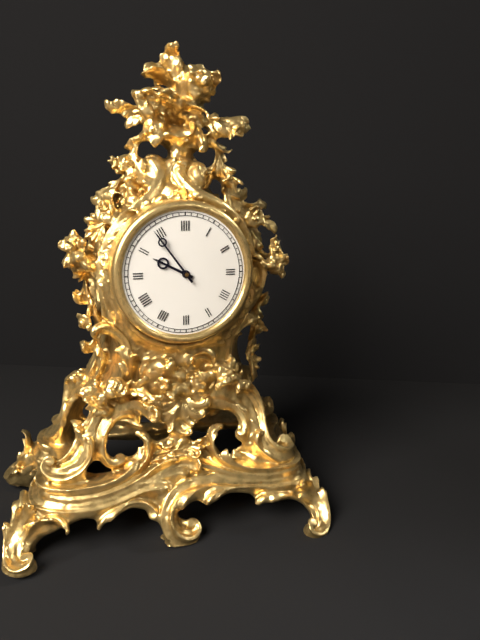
9.54
